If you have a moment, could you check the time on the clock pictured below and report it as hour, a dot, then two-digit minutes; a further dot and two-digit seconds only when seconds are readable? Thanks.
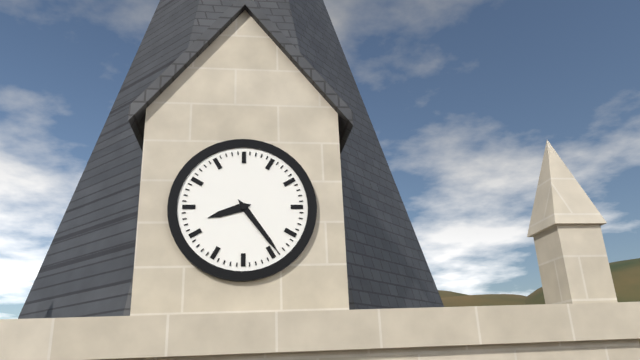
8.24
